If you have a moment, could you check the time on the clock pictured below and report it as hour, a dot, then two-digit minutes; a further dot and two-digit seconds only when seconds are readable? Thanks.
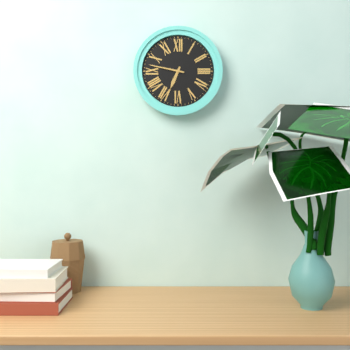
6.47
